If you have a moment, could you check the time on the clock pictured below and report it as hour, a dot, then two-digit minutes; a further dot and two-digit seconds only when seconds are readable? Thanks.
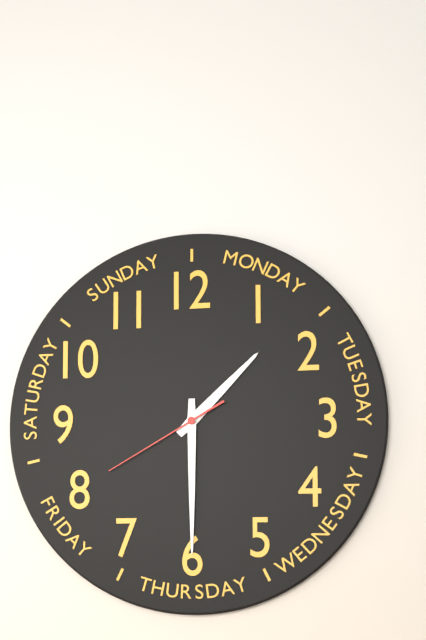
1.30.40
